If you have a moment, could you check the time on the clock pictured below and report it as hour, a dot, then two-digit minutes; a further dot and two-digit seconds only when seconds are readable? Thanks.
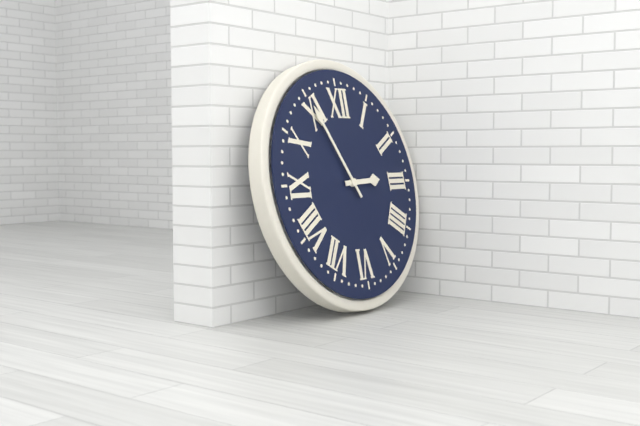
2.55
